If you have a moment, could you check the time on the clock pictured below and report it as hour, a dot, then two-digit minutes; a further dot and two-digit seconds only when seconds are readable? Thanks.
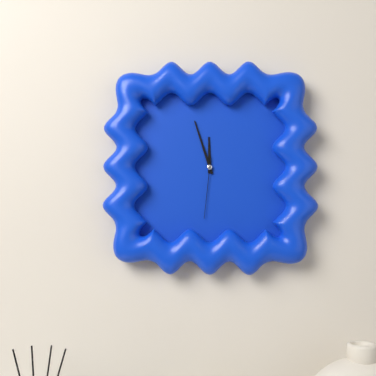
11.57.31
